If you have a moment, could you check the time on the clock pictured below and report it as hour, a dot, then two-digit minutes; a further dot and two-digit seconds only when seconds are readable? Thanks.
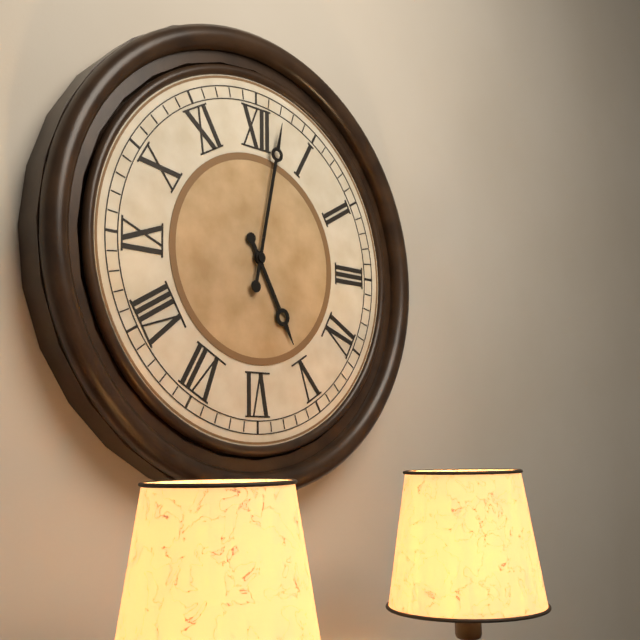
5.02
